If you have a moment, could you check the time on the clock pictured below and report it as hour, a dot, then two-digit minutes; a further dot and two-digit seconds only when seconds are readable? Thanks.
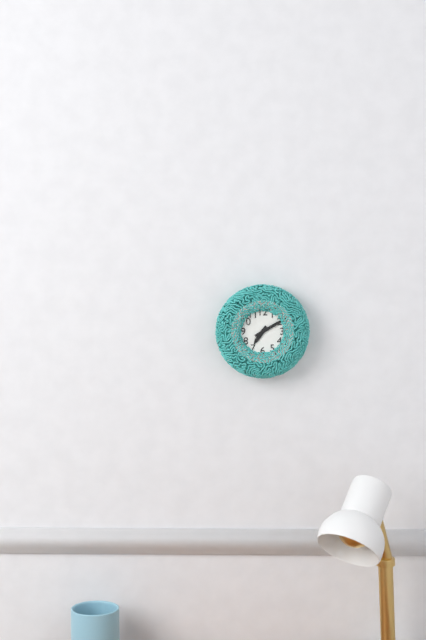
7.10
